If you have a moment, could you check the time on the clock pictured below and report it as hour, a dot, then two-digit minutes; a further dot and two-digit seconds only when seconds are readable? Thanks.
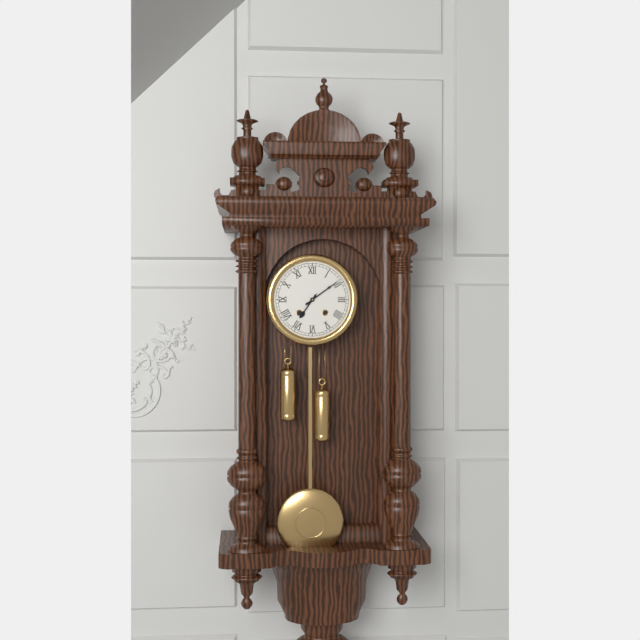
7.09
